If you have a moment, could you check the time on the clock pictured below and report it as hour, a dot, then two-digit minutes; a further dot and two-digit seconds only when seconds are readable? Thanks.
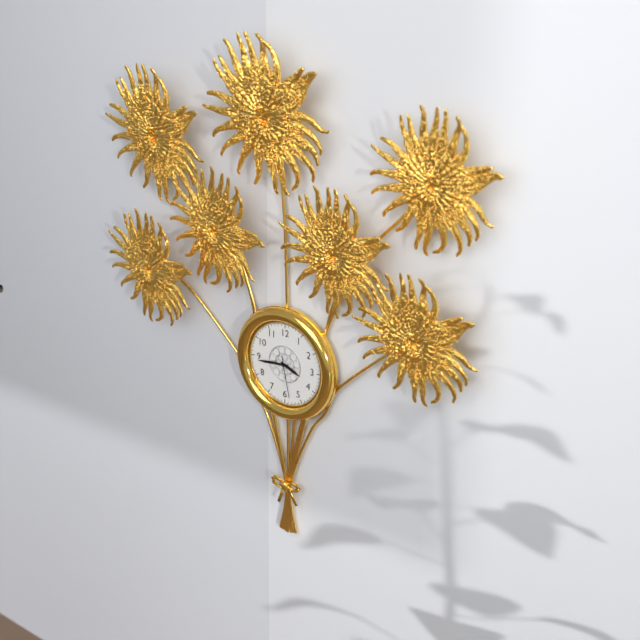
3.44
